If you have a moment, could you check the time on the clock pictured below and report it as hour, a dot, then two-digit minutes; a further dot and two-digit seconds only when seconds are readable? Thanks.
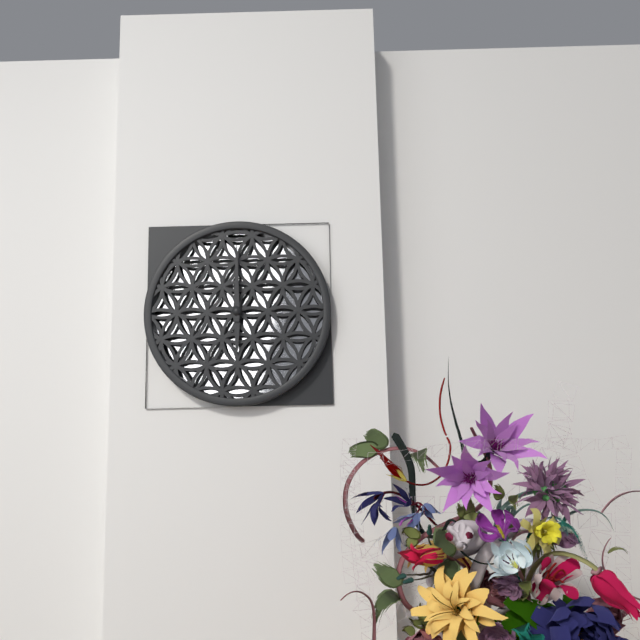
6.00
